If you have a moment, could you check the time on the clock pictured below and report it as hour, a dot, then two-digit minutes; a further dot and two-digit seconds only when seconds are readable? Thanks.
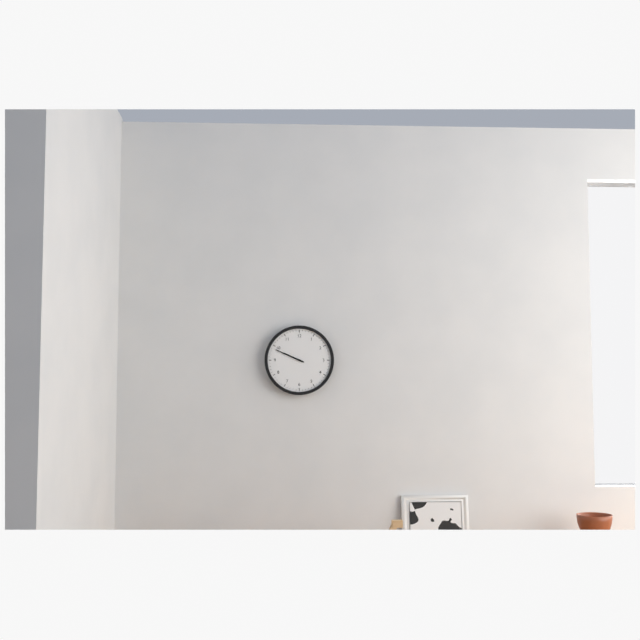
9.49
